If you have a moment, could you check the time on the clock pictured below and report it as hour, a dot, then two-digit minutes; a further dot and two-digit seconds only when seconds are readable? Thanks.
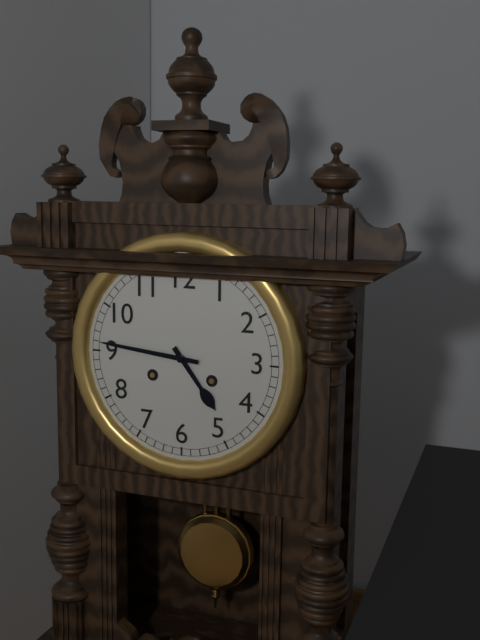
4.46
